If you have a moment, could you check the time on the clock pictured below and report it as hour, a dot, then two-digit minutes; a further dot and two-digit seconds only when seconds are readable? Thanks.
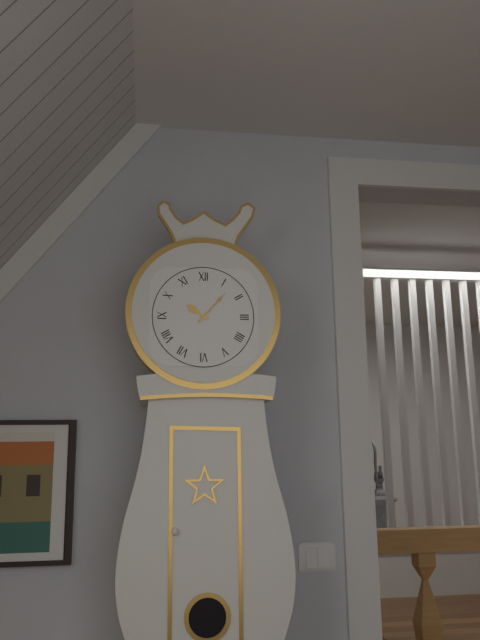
10.07
